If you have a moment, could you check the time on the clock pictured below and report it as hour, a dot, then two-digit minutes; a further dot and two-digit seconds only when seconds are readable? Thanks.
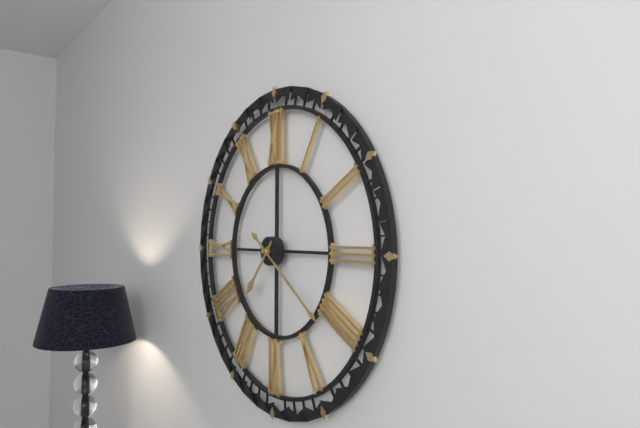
7.21
